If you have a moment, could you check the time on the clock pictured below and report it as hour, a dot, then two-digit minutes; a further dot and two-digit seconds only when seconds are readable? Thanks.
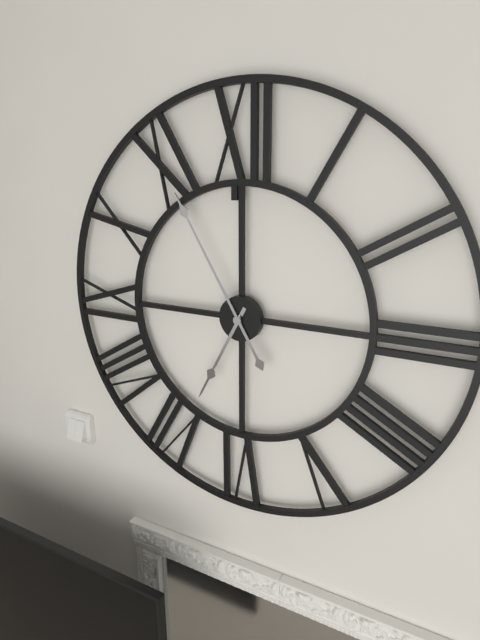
6.55
